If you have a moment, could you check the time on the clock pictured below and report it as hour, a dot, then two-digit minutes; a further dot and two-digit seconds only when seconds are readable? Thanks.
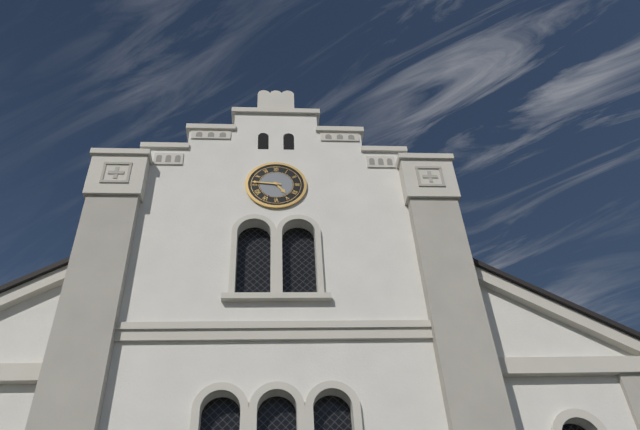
4.46
